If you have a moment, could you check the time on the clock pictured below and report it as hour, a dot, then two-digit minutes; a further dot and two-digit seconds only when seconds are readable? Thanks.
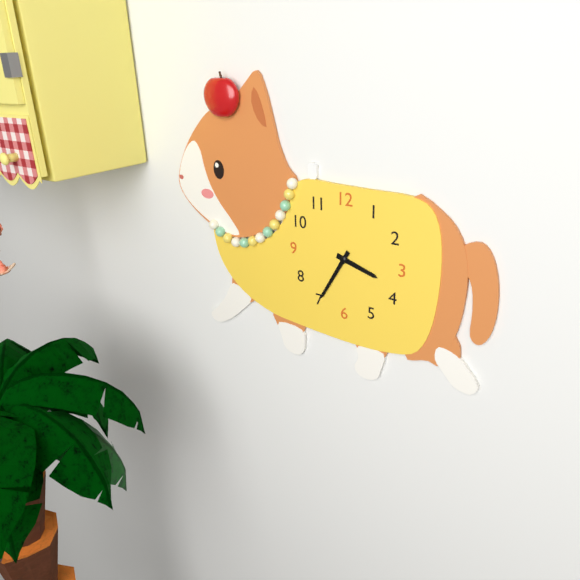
3.35
